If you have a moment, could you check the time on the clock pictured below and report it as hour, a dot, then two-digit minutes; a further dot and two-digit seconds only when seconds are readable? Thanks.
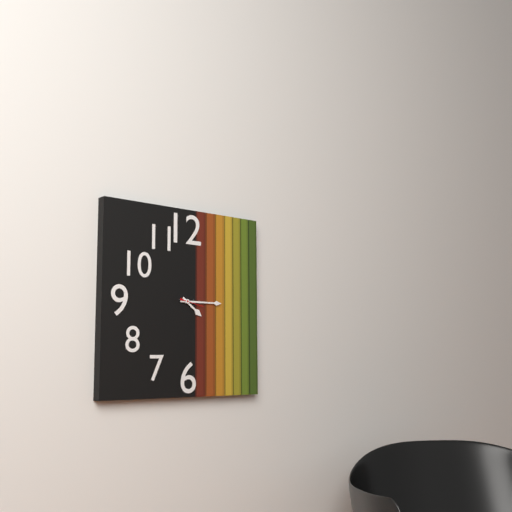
4.15
